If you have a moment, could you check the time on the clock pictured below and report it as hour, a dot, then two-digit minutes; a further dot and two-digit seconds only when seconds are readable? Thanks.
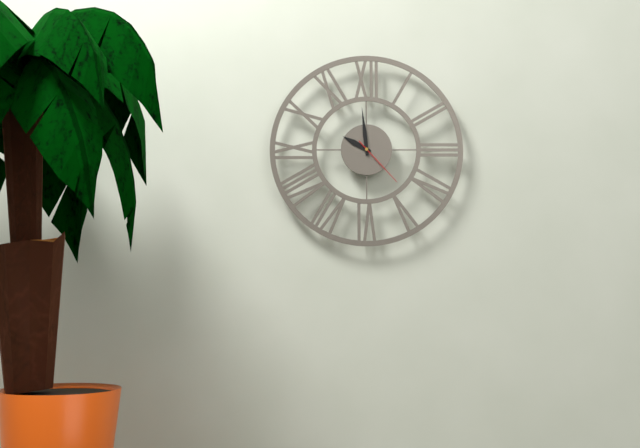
9.59.23
